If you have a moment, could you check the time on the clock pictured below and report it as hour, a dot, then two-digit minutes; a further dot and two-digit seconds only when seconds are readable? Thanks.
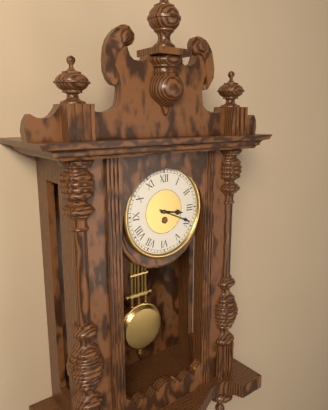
3.19
